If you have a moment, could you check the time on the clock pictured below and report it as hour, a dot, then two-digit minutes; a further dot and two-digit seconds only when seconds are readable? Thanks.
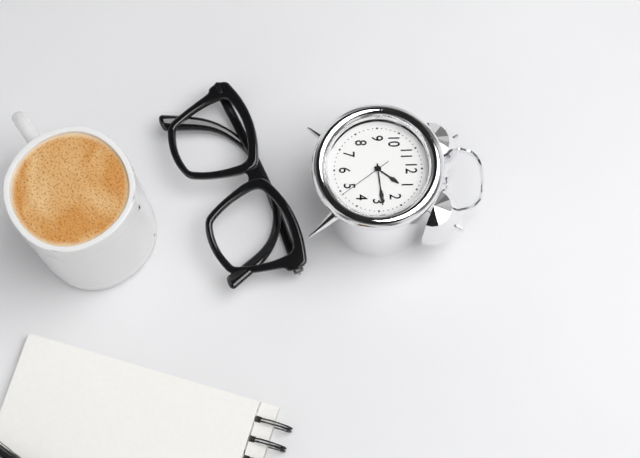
1.14.24
